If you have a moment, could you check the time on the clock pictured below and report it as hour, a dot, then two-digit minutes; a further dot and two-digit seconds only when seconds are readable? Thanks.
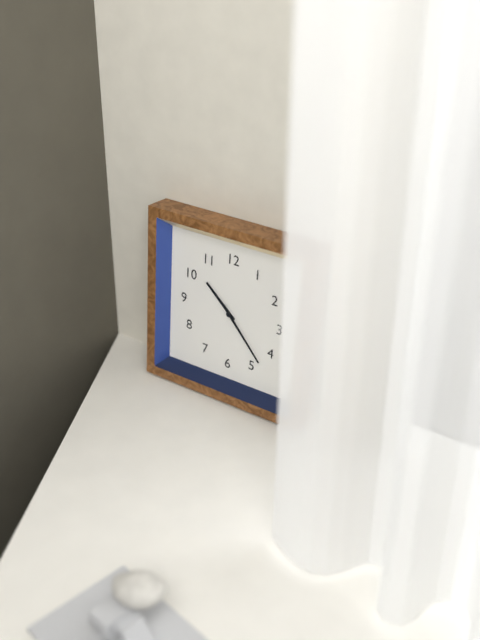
10.23
